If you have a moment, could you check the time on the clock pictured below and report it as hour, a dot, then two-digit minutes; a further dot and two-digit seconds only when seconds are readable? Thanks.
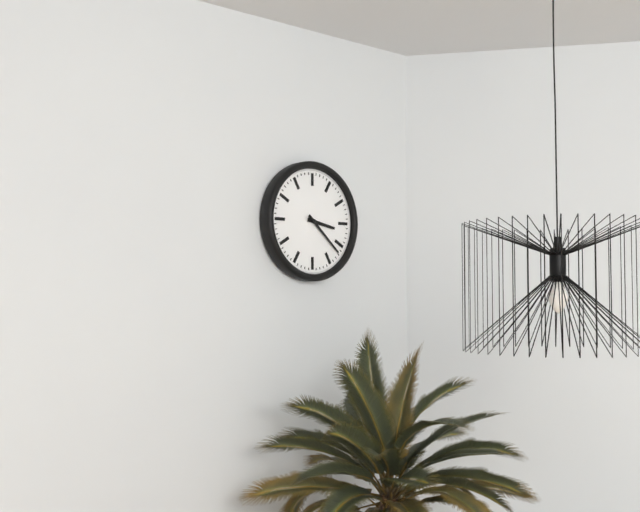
3.22
